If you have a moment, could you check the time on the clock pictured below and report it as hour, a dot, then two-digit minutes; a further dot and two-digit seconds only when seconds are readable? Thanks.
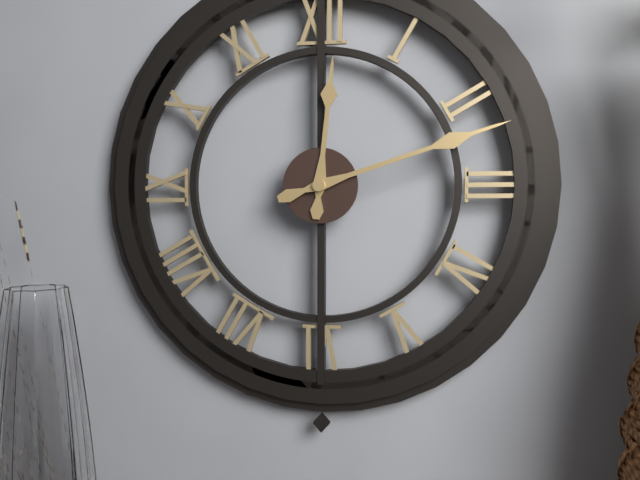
12.12
